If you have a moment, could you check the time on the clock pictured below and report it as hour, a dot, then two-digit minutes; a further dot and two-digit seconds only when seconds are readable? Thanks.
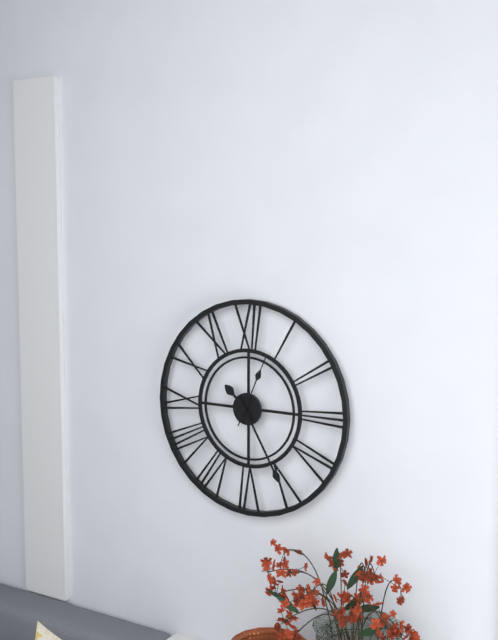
10.25.04
